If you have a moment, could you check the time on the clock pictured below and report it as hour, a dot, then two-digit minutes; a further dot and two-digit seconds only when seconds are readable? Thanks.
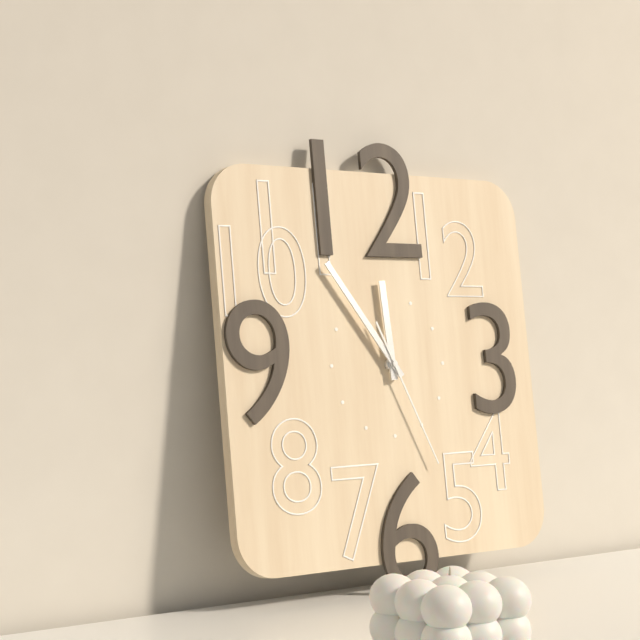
11.54.26
